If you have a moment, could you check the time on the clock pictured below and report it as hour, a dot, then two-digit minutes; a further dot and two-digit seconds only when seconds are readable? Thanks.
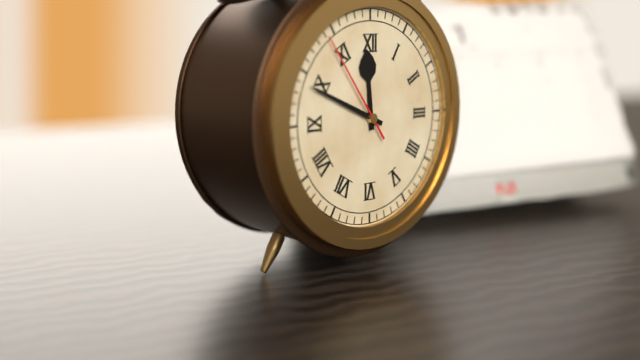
11.49.54
